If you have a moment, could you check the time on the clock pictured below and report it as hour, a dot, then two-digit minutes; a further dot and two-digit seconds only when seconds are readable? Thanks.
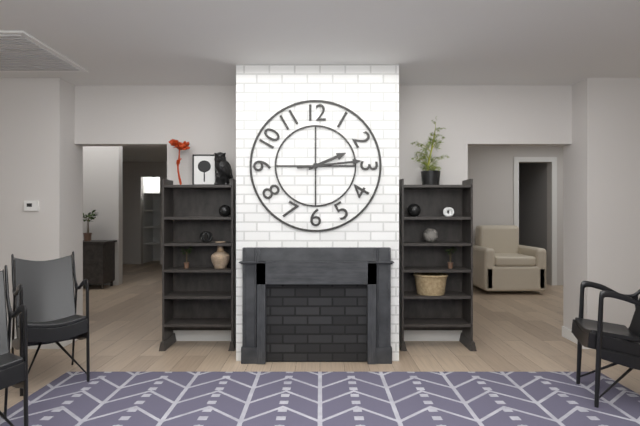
2.14
